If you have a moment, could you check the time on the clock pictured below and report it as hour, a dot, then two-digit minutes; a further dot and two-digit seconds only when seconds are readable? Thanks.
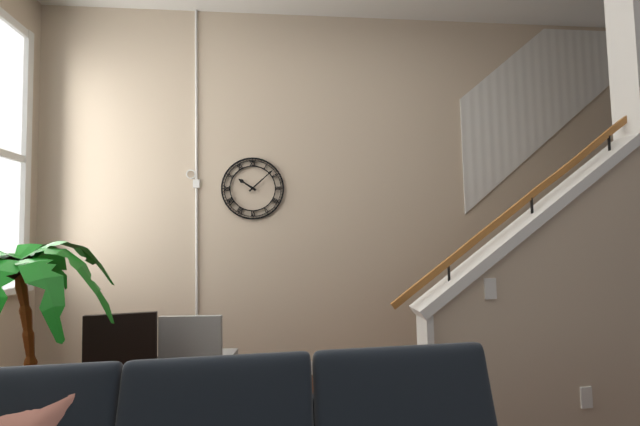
10.08
